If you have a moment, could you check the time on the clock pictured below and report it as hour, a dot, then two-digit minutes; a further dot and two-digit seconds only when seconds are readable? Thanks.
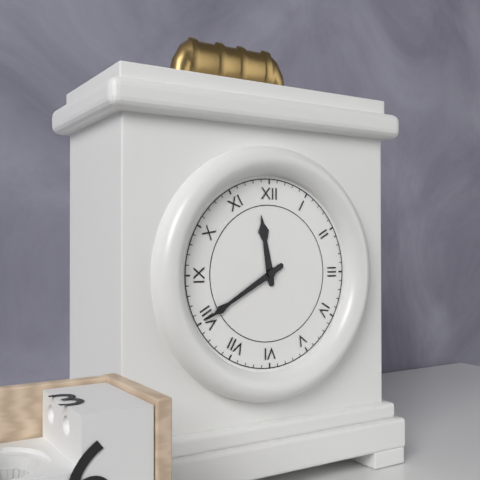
11.40
